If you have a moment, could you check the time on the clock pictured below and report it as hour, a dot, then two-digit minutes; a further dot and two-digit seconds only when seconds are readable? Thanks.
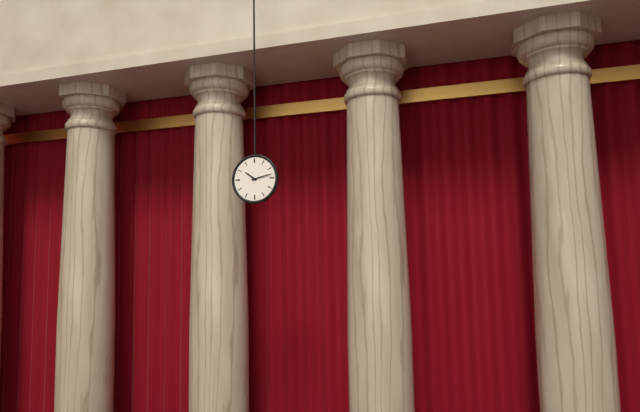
10.13
